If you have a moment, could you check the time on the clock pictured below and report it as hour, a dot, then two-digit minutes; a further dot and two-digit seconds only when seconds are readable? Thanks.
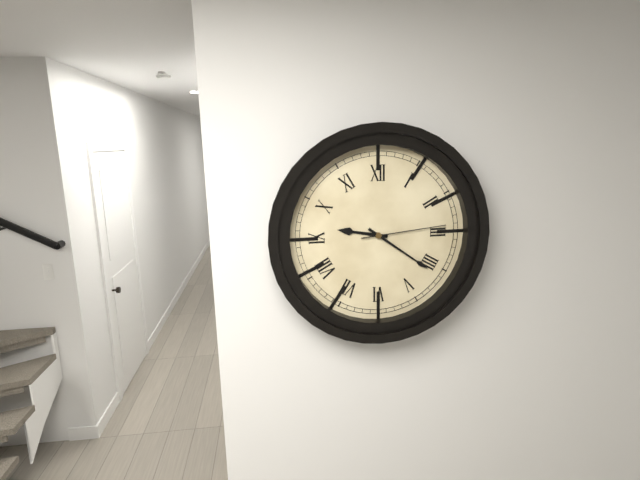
9.21.14
